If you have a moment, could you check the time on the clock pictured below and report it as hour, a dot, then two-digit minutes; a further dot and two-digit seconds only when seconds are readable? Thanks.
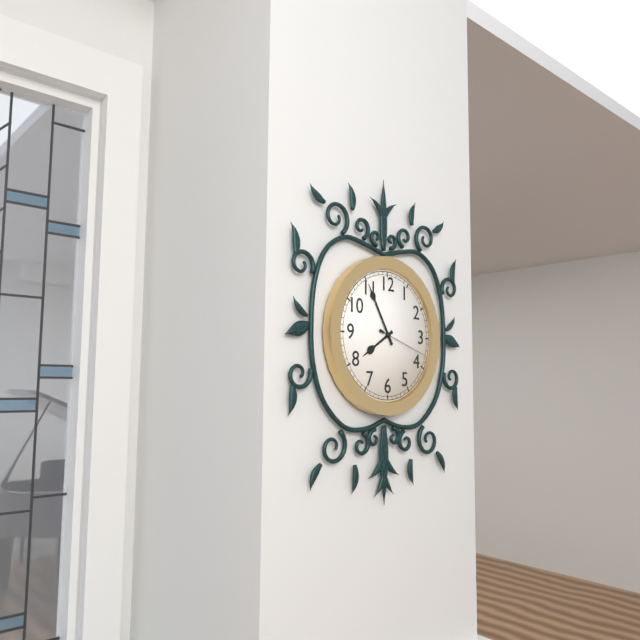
7.55.18
